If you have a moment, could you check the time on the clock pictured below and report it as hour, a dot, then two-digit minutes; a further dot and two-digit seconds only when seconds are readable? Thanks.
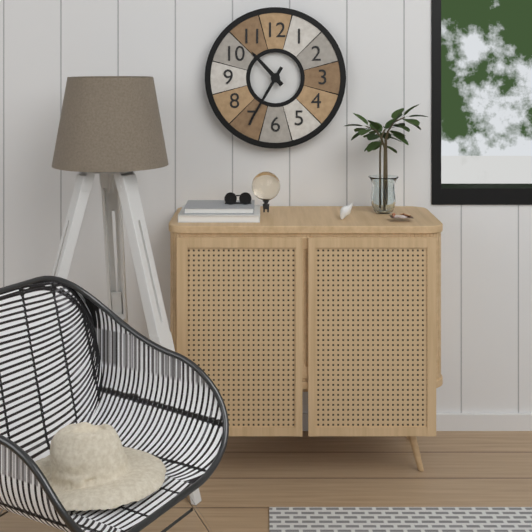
10.35
